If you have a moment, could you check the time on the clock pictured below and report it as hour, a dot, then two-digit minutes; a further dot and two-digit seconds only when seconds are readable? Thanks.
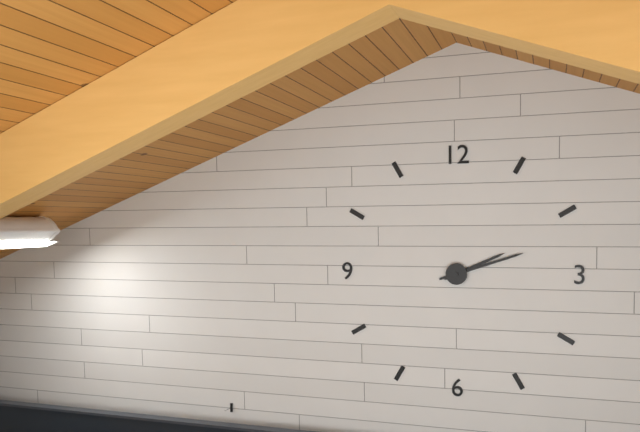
2.12
